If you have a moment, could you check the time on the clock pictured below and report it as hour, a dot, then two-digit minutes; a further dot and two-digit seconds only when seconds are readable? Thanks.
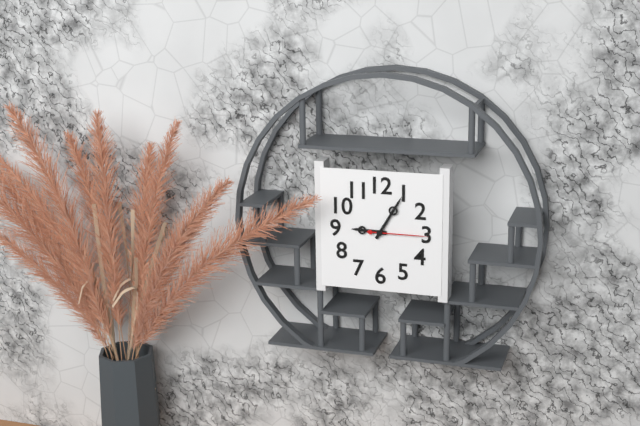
9.05.15
